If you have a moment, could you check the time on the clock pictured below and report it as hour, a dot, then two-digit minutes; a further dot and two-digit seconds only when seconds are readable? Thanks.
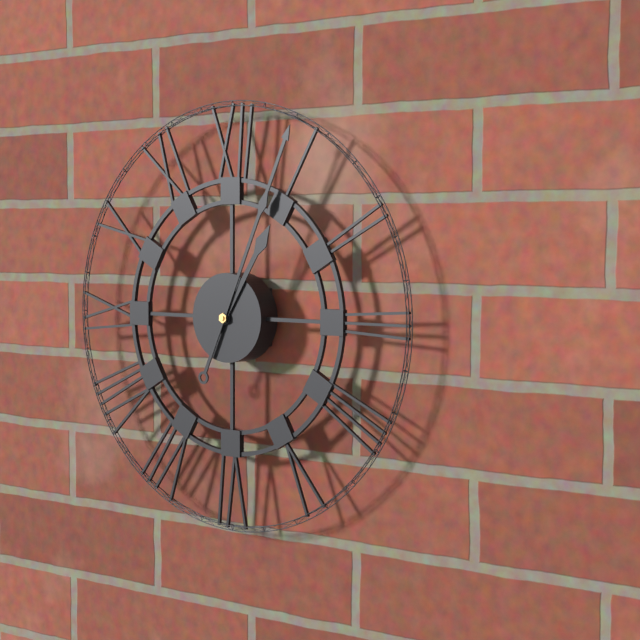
1.04
